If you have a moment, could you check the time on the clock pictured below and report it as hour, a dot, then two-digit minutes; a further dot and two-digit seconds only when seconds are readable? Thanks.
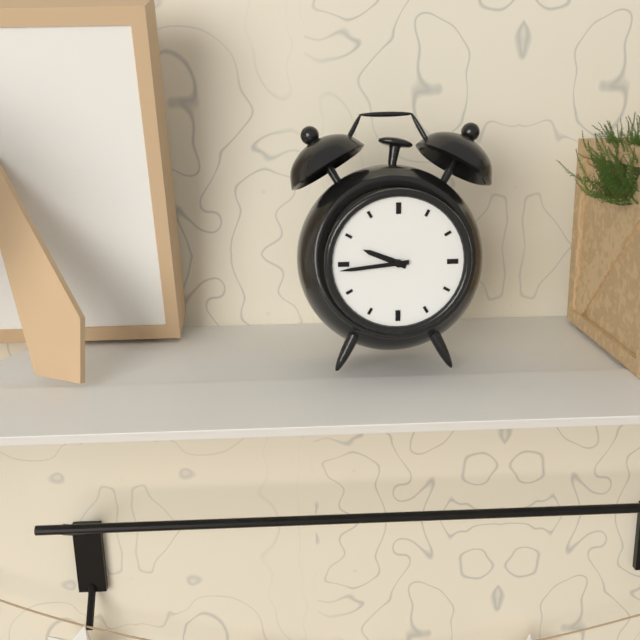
9.44
